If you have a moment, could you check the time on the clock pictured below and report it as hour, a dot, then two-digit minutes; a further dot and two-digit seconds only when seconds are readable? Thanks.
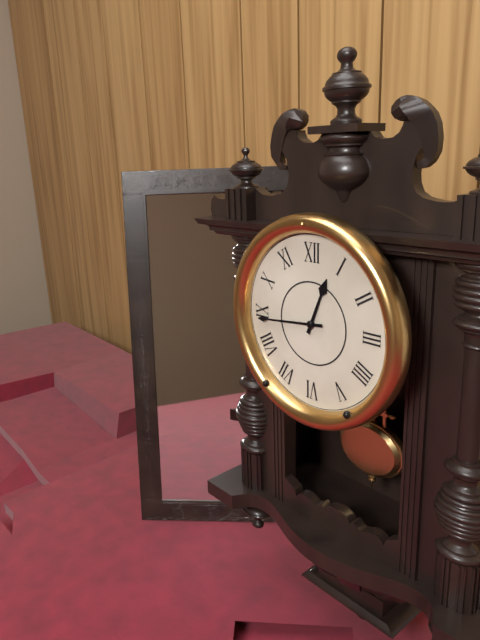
12.44
